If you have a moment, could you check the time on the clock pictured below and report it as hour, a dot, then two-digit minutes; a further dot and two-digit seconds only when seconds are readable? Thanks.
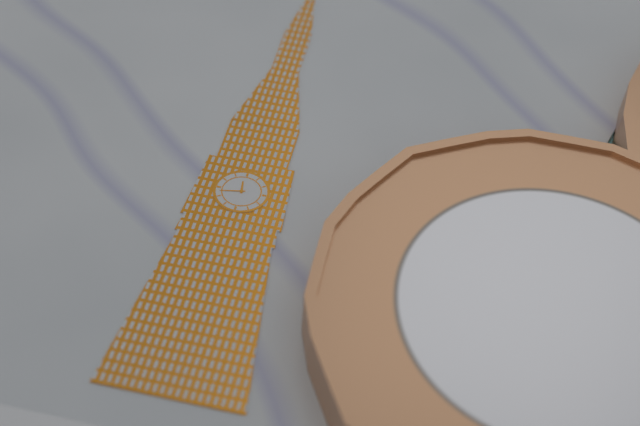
11.43
